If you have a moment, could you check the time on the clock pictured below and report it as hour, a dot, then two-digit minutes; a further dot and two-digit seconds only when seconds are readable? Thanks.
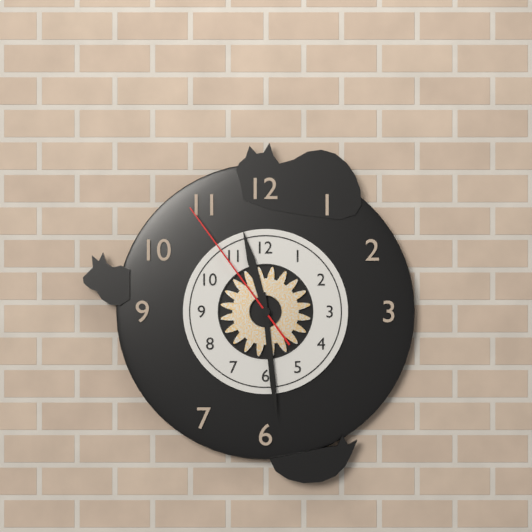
11.29.54
